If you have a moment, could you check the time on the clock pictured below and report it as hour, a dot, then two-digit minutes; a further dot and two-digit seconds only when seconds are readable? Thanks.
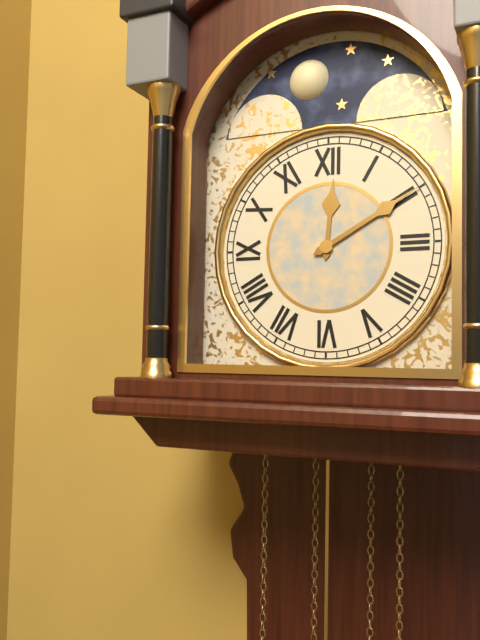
12.10
